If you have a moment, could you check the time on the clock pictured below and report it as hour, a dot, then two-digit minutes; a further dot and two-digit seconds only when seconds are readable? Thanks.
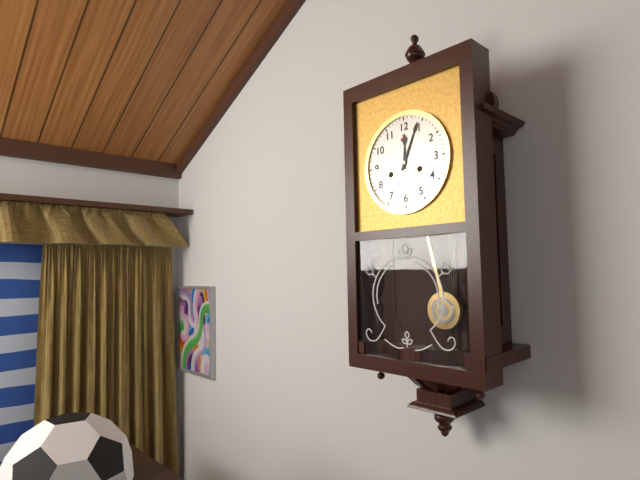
12.04
